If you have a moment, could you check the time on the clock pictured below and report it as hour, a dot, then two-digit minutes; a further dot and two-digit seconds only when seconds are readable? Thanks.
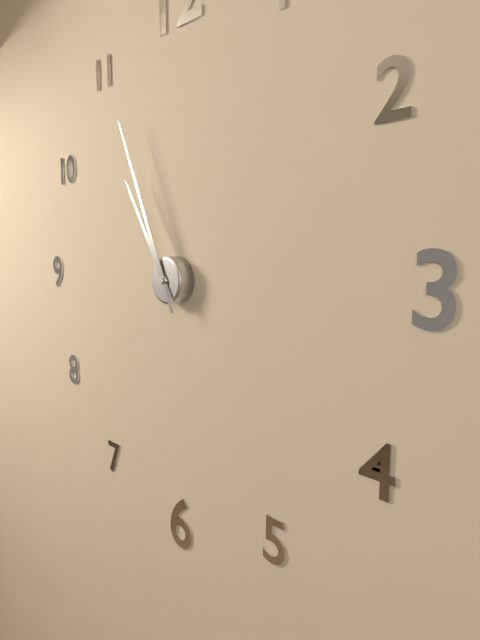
10.56
